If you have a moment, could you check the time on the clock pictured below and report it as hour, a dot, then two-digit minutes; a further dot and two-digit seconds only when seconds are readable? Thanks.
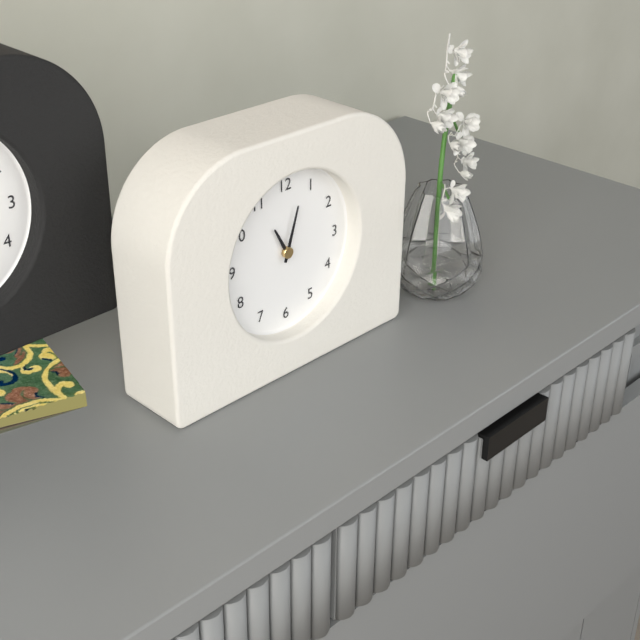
11.03
